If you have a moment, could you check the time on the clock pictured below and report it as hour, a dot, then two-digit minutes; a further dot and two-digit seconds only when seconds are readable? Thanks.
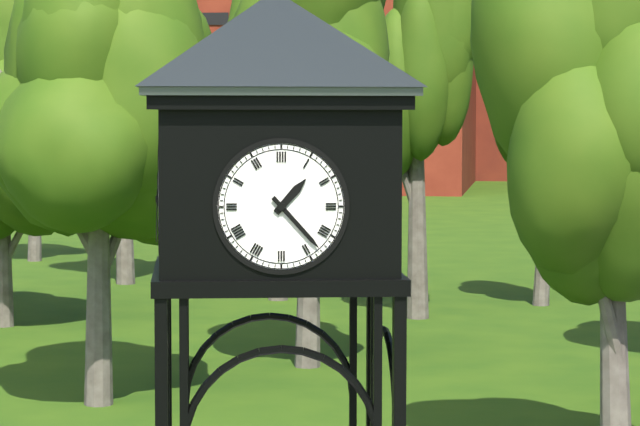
1.23
